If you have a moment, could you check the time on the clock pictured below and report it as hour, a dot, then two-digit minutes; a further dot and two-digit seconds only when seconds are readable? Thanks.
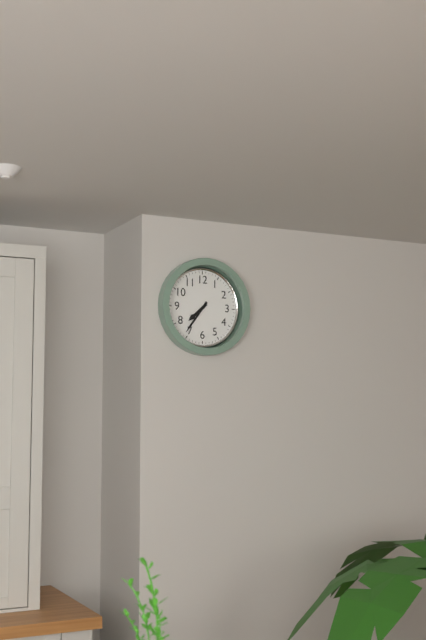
7.36
